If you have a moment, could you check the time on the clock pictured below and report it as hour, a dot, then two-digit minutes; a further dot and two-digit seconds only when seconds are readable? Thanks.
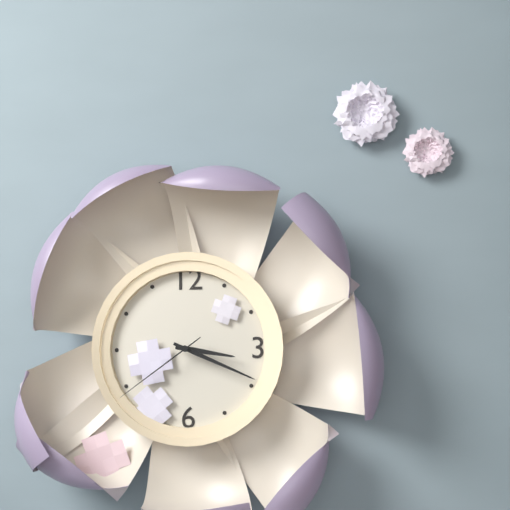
3.19.39
